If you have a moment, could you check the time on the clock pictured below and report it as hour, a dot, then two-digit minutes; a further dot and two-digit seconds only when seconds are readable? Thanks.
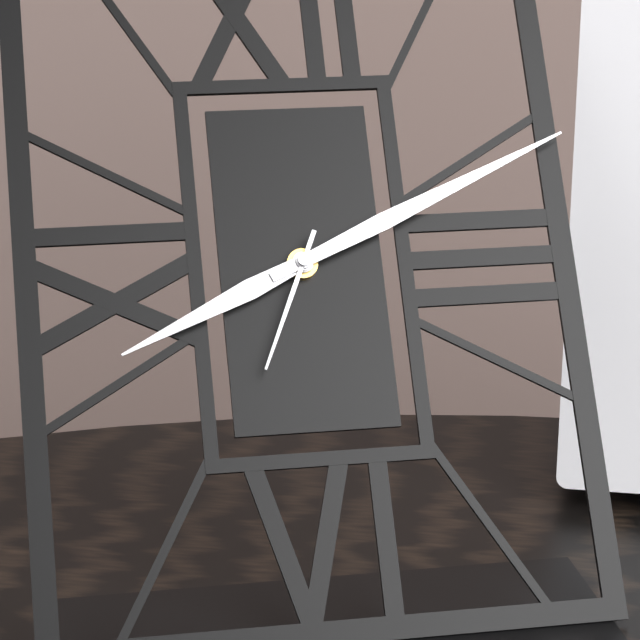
8.11.34
